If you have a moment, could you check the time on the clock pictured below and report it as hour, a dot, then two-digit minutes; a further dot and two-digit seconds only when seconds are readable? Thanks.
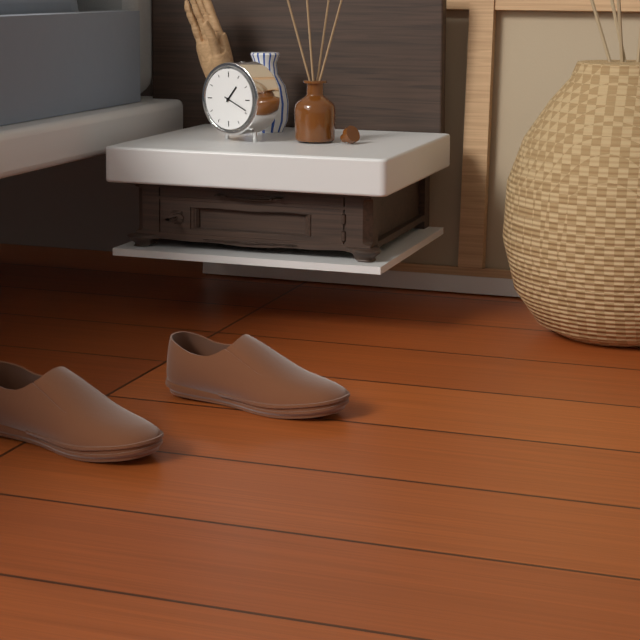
1.19
